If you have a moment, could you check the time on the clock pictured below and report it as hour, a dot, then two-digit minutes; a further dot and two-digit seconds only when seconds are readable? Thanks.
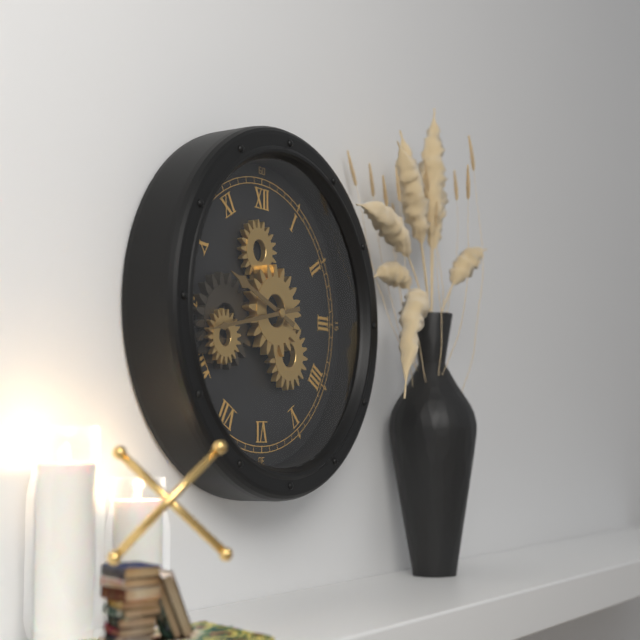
9.43
